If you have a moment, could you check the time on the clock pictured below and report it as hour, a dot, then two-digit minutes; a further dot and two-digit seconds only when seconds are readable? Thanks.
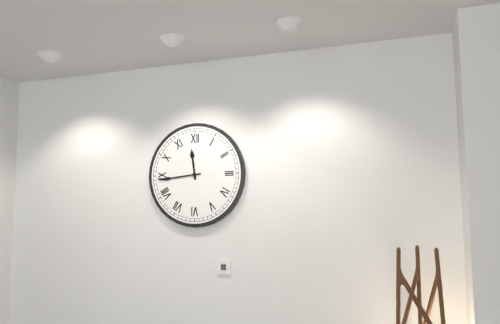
11.44
